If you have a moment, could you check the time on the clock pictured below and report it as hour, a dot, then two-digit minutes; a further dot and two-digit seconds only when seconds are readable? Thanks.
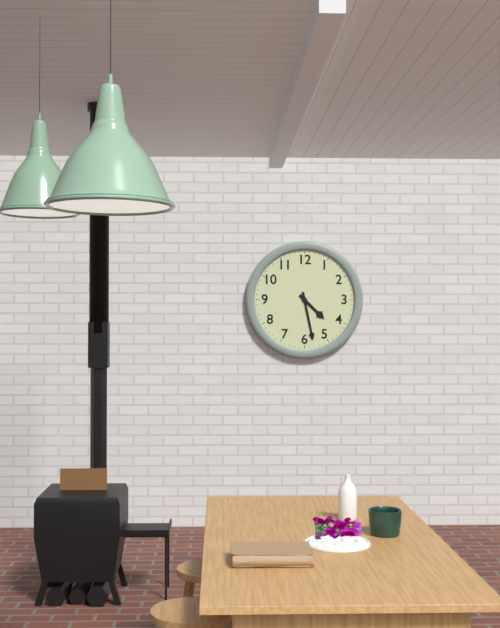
4.28
